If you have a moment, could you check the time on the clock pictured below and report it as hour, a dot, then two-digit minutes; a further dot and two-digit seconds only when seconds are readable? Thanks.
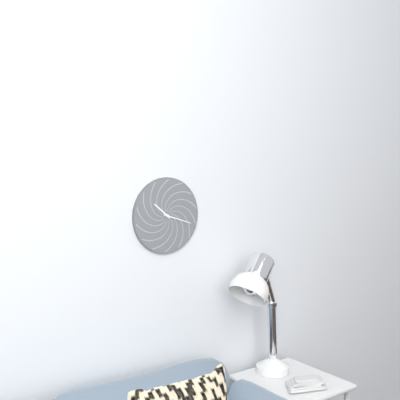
10.18
